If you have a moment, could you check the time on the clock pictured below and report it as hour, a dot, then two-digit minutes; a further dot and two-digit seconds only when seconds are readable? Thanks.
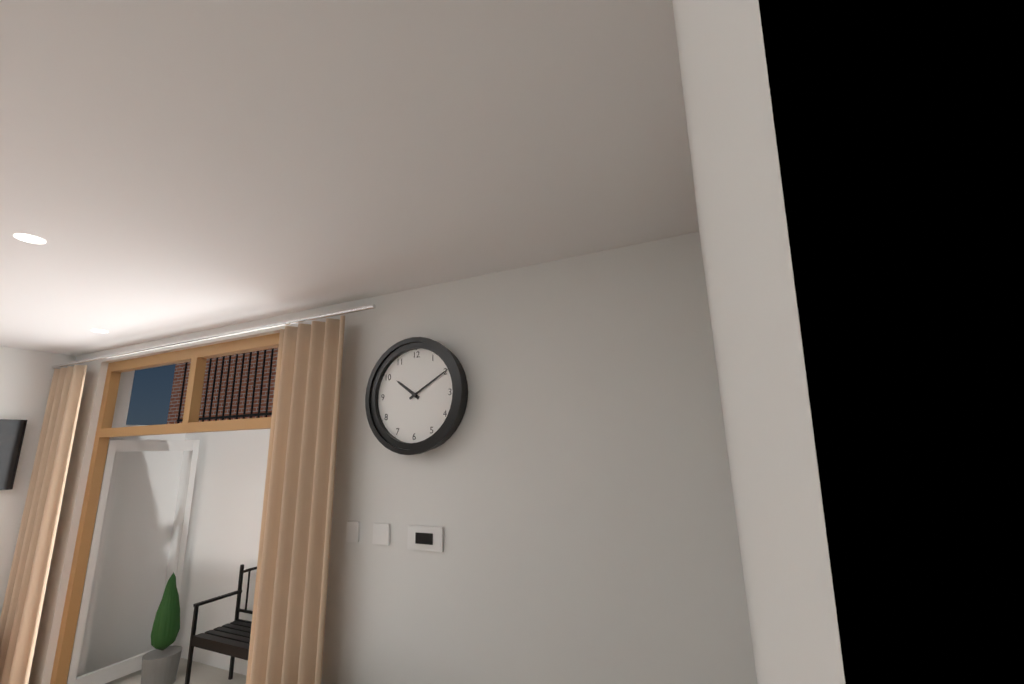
10.10
